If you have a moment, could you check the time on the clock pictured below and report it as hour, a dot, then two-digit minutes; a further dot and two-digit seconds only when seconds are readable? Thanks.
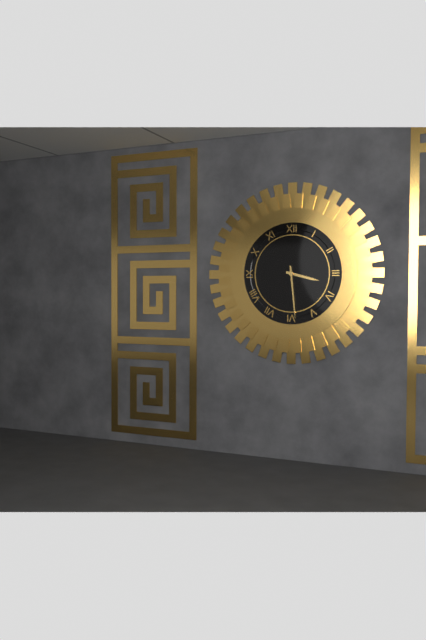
3.29
